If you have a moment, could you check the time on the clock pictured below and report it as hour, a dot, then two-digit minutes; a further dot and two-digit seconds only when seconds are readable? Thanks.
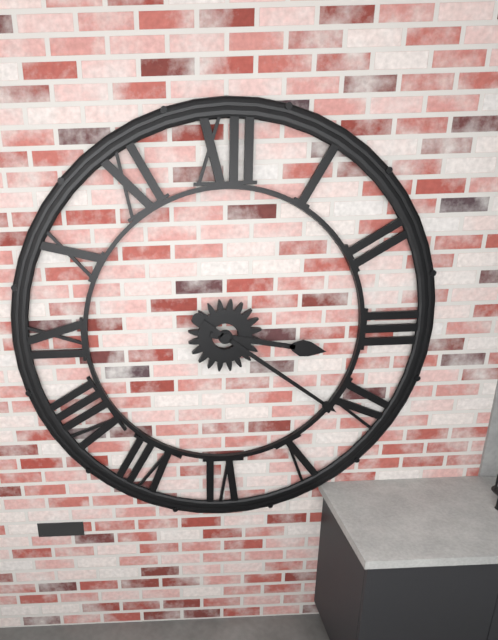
3.21
